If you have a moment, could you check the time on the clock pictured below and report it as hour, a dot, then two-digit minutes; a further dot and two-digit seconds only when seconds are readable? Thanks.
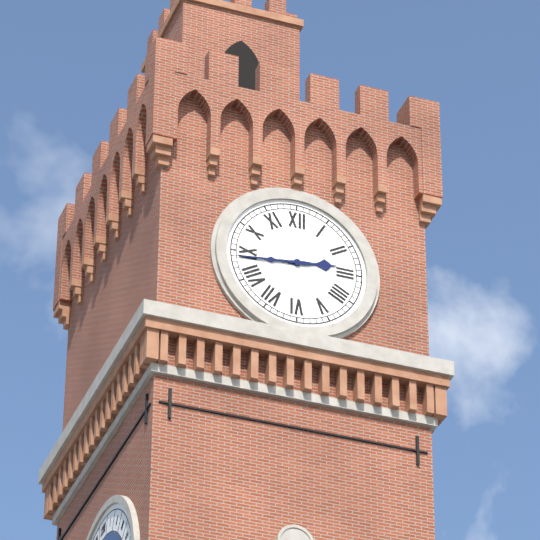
2.44
